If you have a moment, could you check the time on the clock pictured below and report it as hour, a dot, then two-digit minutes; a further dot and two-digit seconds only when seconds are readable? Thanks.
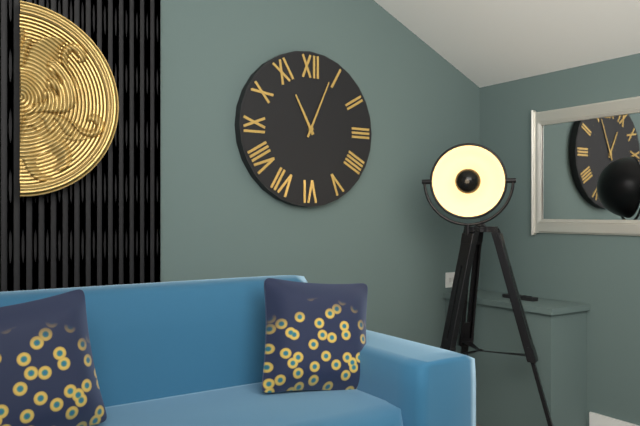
11.04
